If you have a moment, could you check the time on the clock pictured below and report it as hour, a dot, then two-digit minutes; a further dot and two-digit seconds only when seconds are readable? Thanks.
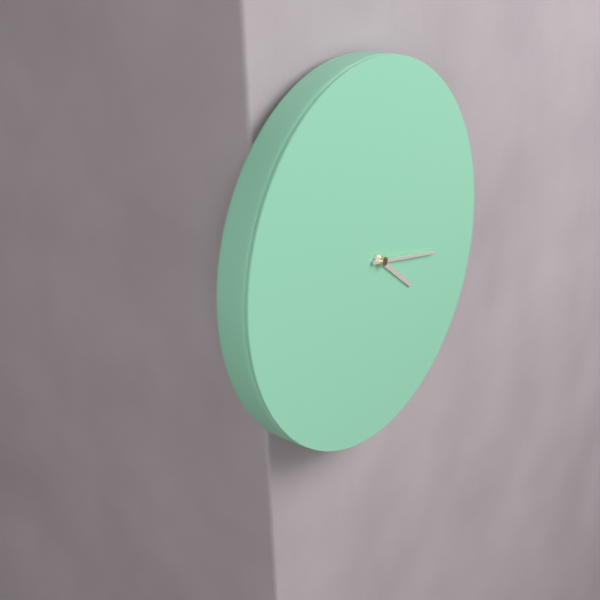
4.17
